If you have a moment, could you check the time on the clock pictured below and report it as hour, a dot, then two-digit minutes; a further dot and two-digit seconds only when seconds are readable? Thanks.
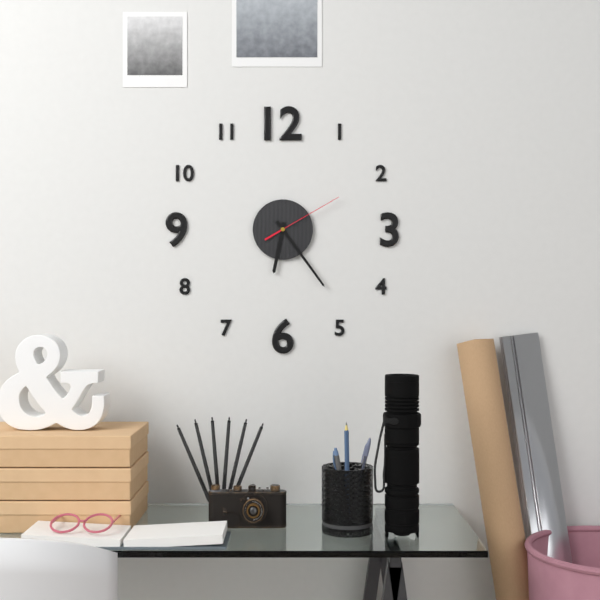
6.24.10
